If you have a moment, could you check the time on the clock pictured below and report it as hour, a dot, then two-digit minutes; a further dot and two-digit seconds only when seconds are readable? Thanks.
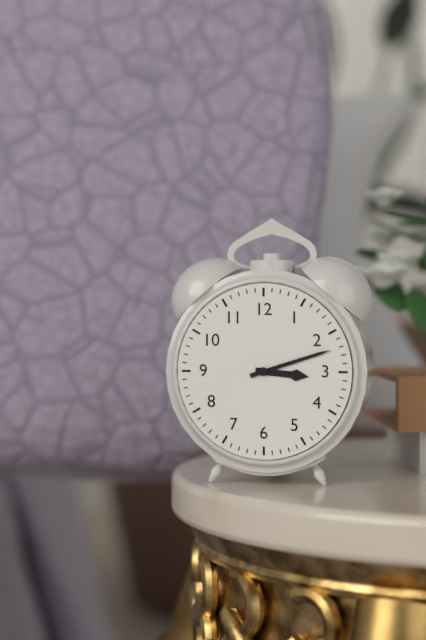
3.12
